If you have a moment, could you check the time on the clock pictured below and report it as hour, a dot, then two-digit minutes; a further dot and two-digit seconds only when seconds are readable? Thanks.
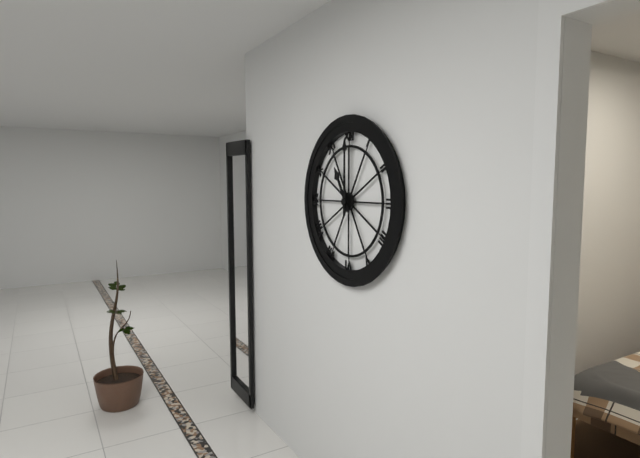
11.00
